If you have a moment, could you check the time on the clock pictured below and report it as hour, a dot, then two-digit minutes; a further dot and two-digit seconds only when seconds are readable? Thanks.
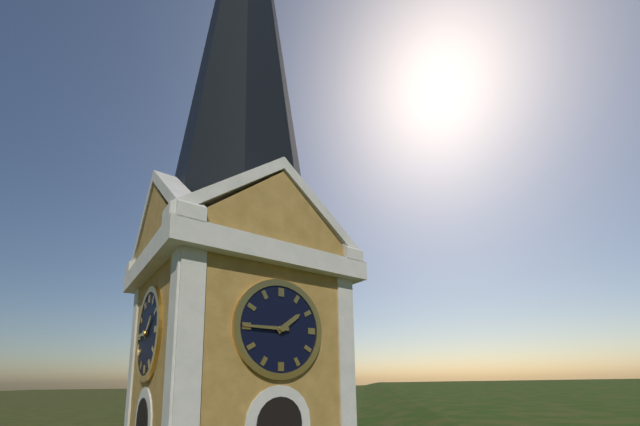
1.45
